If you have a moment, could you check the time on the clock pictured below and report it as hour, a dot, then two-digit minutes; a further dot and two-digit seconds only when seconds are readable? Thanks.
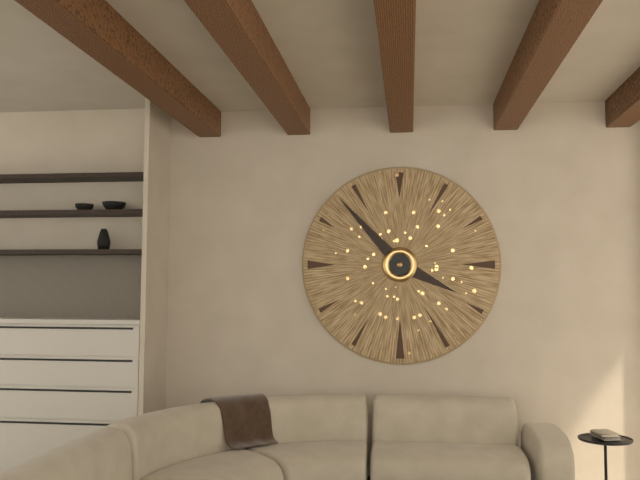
3.53
